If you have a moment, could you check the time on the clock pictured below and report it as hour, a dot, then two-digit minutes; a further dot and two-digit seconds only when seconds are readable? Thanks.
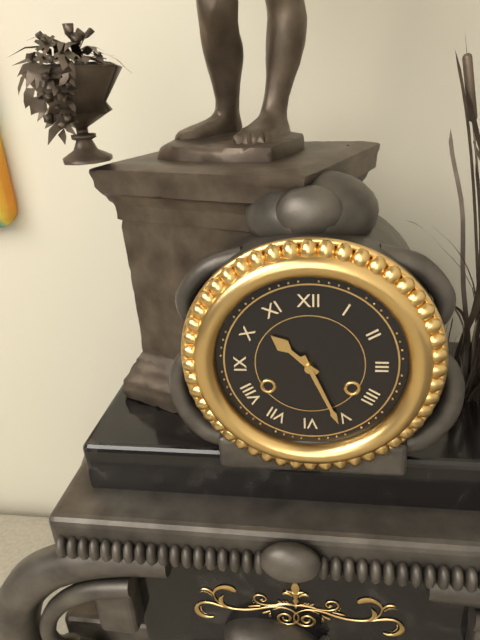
10.26
